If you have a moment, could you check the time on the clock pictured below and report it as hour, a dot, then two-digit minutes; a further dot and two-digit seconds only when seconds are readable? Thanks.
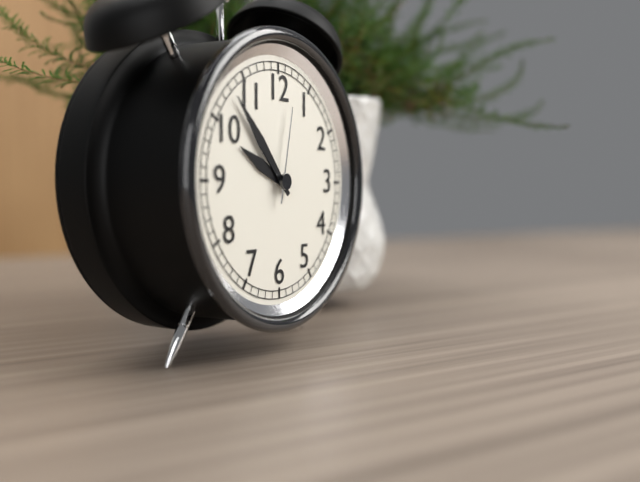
9.53.02
